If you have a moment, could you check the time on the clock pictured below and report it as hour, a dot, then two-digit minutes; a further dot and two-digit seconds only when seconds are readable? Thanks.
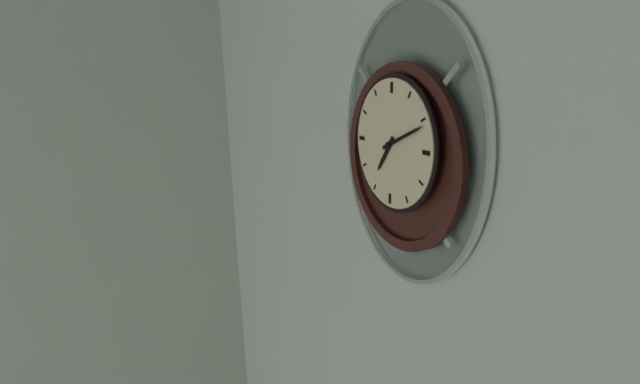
7.11
